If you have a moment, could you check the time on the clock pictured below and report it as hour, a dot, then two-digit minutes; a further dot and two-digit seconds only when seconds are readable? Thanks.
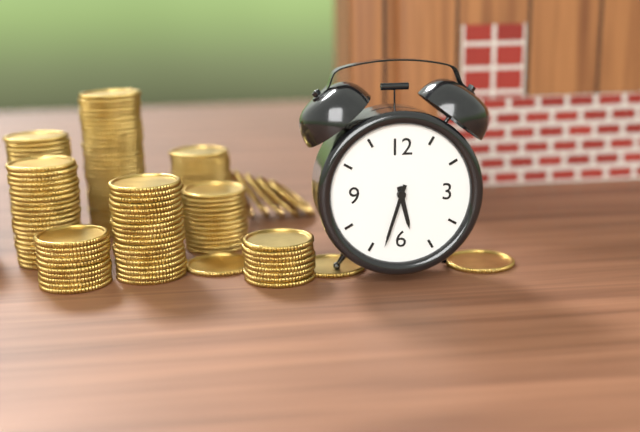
5.33
